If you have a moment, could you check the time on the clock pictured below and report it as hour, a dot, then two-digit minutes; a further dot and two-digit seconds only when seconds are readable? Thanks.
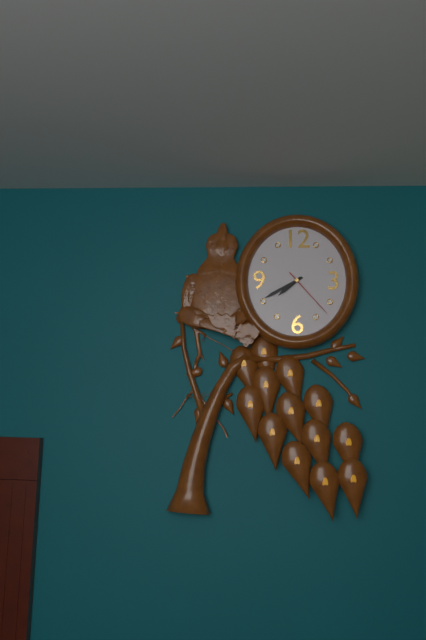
7.40.23
